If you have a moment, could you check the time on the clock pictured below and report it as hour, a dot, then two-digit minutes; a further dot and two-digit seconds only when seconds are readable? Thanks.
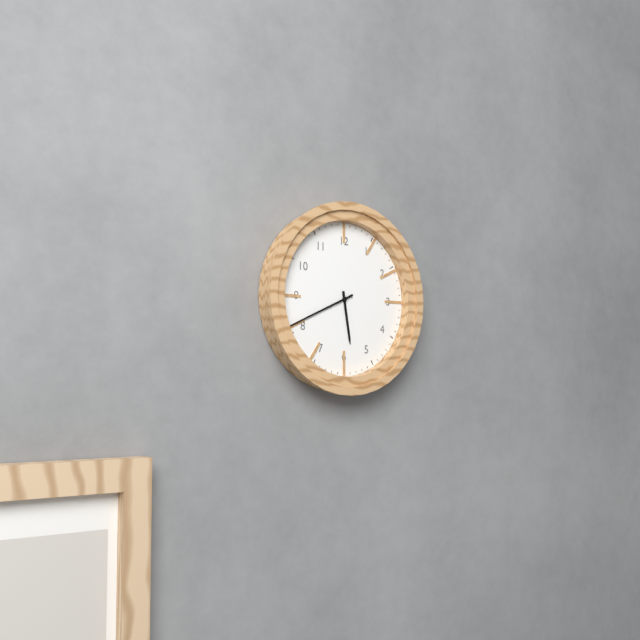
5.41
